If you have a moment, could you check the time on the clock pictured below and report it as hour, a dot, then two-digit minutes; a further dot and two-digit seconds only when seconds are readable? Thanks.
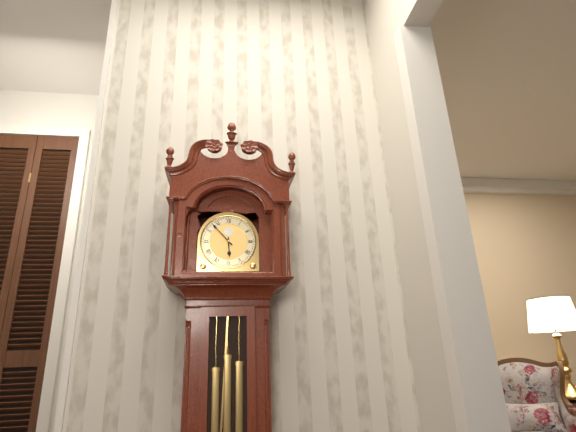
5.53
